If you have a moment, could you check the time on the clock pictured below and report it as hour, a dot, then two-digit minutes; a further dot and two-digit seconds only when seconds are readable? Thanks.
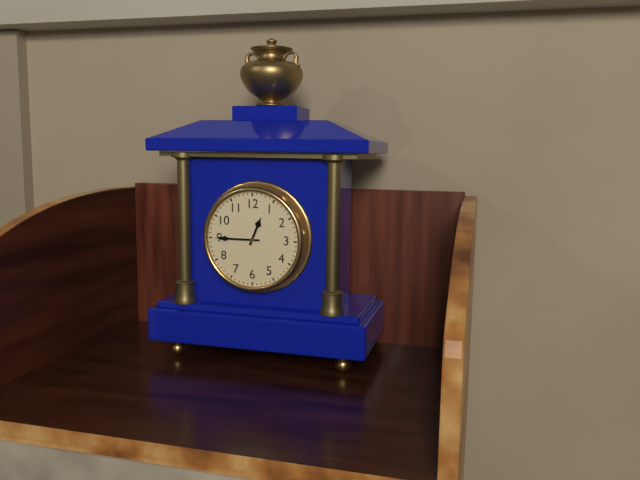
12.45
